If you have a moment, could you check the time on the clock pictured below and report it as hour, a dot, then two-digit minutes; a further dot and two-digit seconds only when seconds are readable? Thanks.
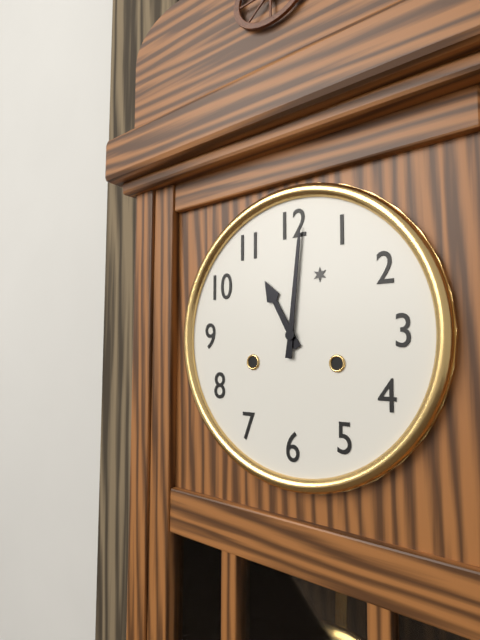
11.01
